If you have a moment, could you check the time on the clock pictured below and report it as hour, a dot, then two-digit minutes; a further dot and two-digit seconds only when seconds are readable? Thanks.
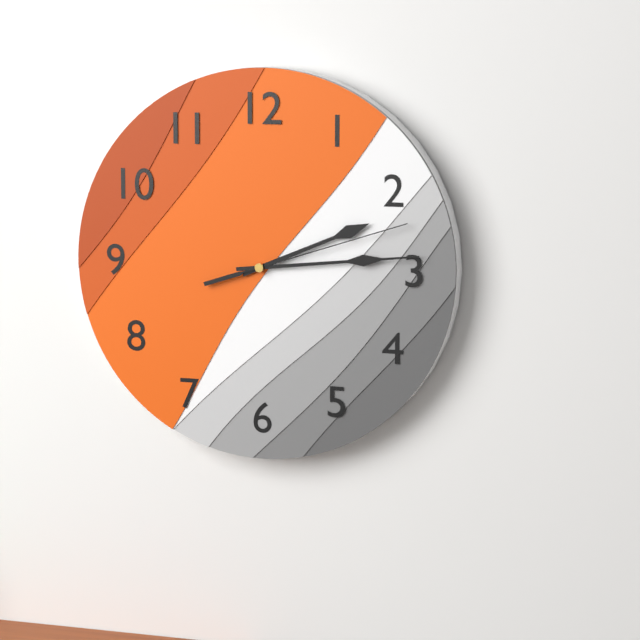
2.14.12
